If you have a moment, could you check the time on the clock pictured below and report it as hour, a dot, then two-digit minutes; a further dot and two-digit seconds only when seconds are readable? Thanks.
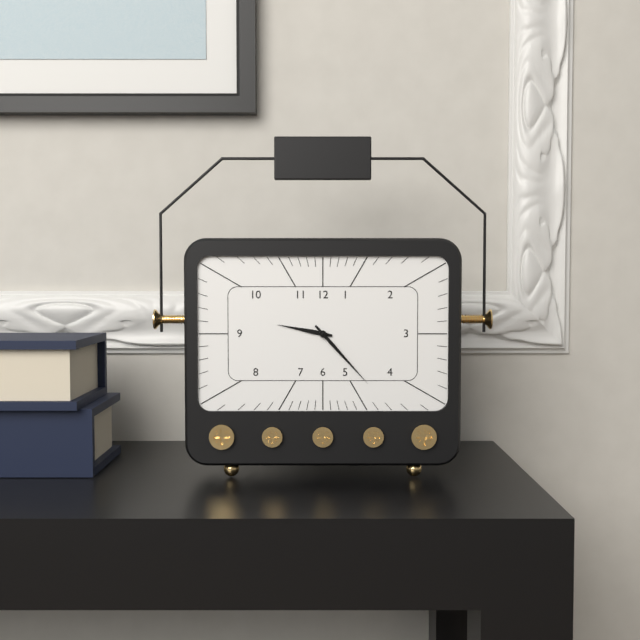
9.23
